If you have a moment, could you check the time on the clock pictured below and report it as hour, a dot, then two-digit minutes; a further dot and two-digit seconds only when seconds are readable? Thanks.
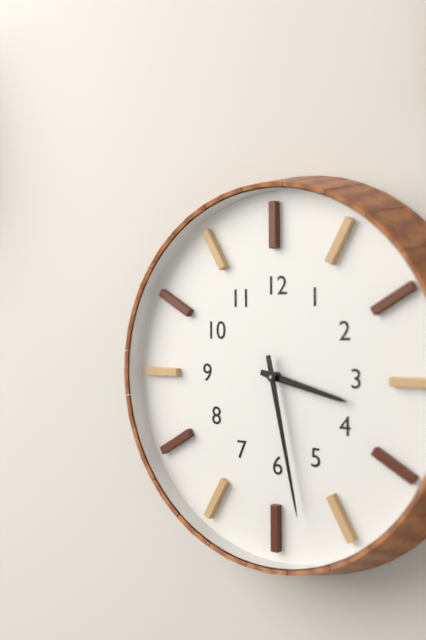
3.28
